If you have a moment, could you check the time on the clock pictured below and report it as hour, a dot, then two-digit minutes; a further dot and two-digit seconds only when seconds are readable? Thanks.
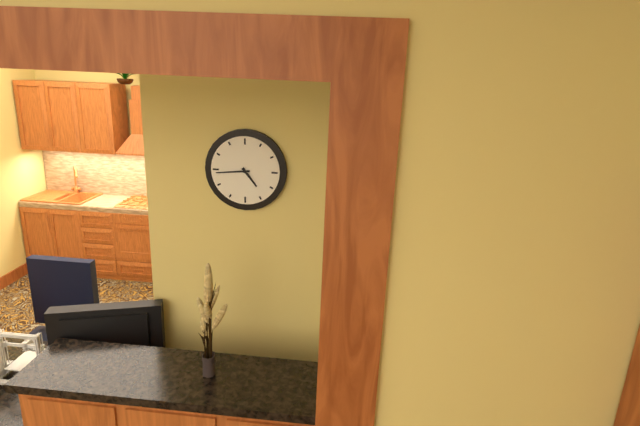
4.44
